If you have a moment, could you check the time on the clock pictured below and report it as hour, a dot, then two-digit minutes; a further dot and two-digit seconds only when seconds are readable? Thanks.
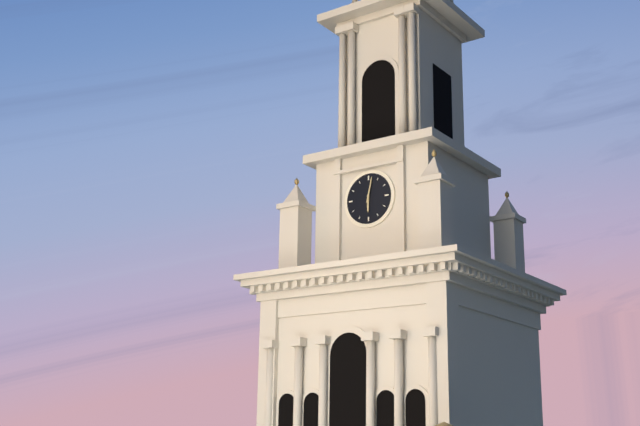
6.02
